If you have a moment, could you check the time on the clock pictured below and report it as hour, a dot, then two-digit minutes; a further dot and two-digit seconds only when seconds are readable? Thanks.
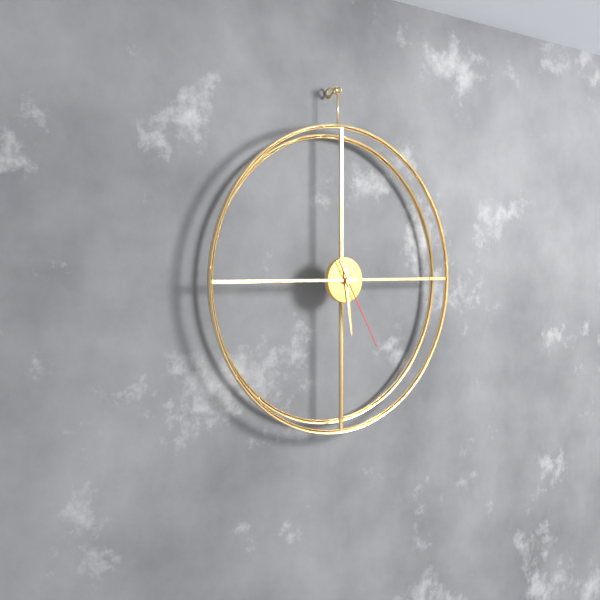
5.45.25
